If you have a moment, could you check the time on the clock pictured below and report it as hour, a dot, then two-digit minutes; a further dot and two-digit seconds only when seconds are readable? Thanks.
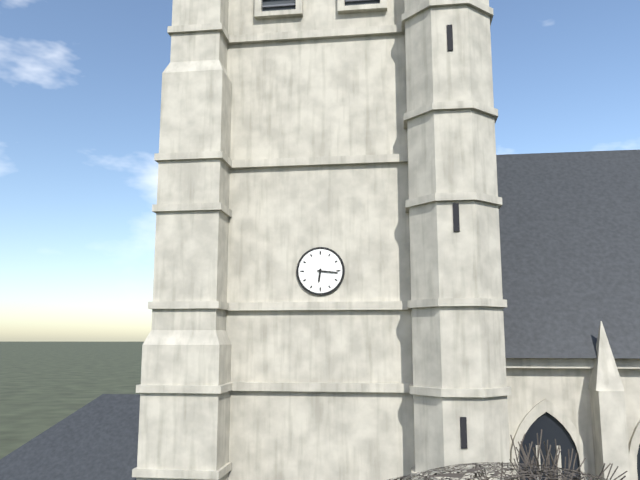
6.16
